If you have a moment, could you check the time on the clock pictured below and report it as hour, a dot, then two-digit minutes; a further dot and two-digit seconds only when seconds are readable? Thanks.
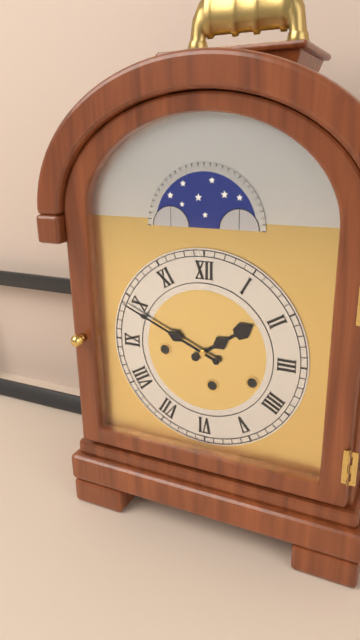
1.49
